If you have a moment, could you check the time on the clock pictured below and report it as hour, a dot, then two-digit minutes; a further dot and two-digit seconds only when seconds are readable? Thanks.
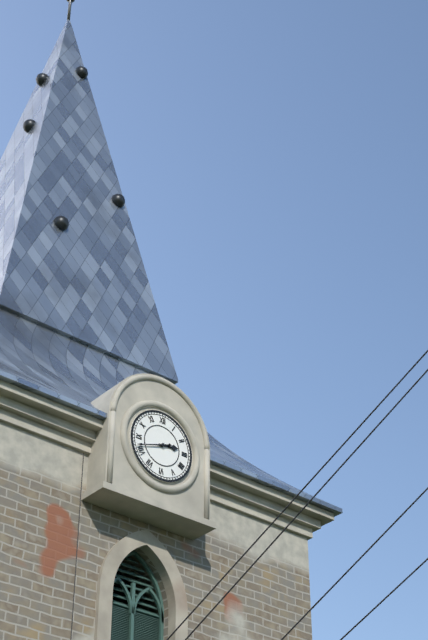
2.42
